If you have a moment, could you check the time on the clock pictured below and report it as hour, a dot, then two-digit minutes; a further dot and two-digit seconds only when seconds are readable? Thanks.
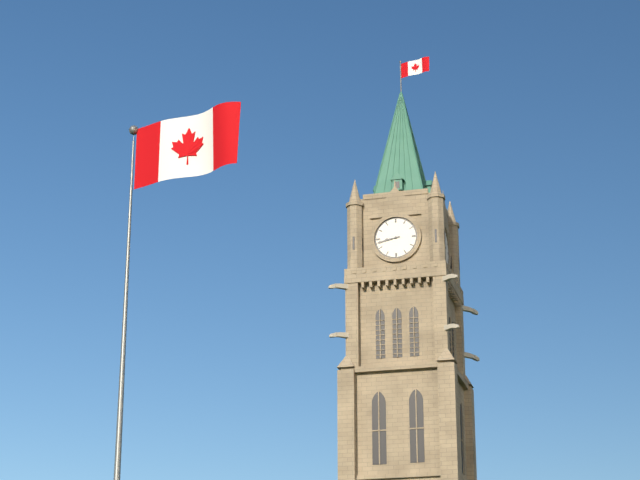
8.43
